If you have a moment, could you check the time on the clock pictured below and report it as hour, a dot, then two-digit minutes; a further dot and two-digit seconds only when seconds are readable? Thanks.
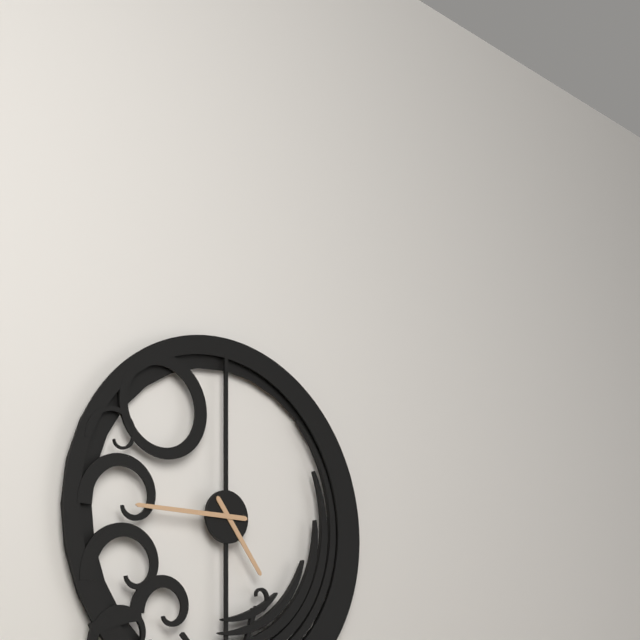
4.45
